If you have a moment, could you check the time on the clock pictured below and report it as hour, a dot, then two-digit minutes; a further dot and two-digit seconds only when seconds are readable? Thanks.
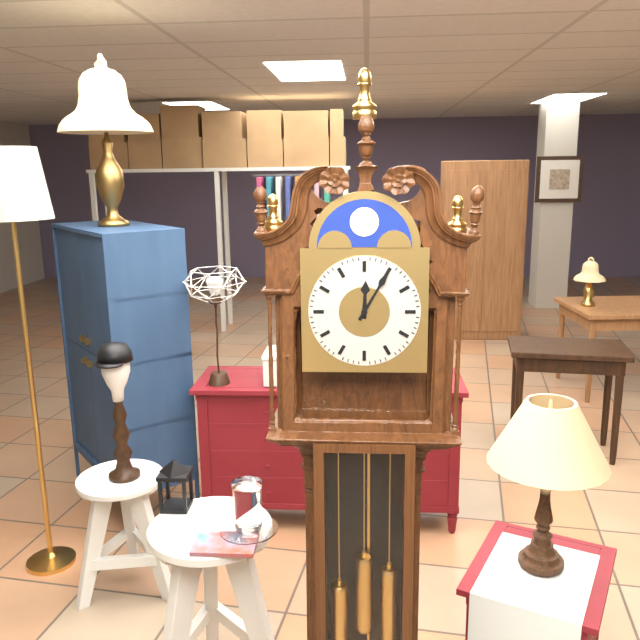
12.05
